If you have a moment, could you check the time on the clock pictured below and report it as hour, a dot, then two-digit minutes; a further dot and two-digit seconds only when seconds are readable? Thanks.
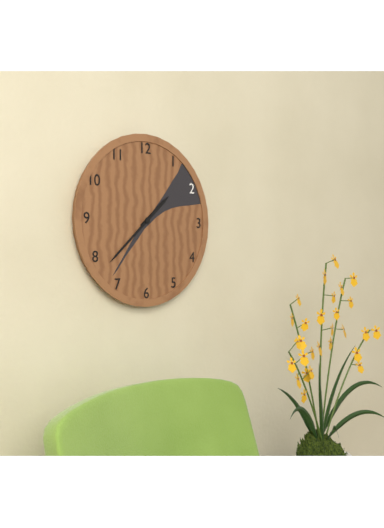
1.38
